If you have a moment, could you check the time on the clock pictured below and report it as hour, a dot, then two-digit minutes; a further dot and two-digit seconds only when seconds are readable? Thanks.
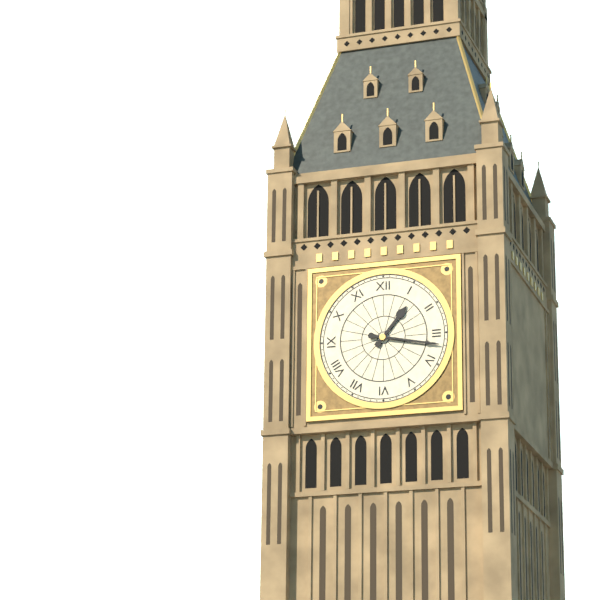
1.17
